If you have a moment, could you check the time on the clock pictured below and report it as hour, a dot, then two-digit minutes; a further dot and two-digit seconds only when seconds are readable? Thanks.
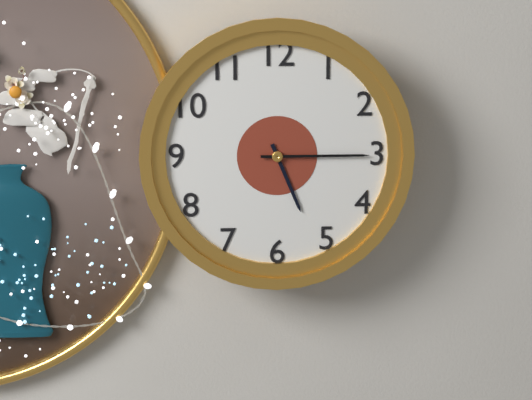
5.15
